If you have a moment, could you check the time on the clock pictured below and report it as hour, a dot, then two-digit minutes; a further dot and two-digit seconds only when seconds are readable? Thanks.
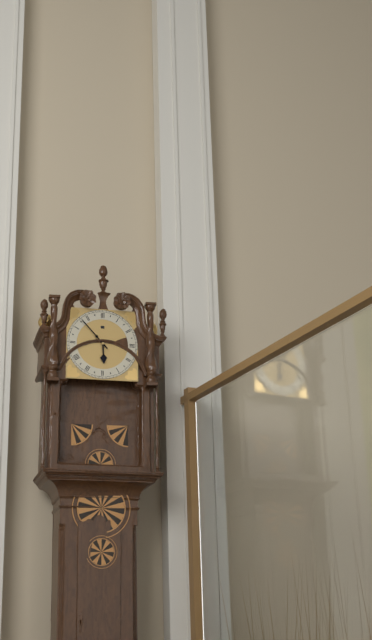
5.53
